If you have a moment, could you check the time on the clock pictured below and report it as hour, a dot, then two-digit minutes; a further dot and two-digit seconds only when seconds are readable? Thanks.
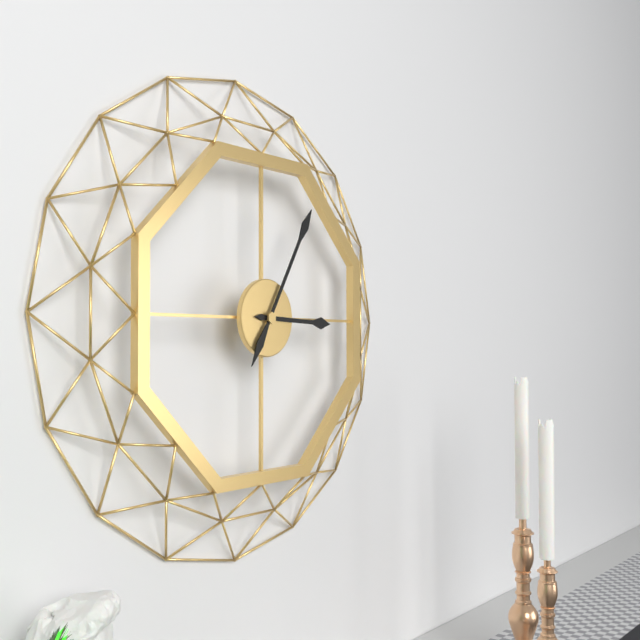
3.05
